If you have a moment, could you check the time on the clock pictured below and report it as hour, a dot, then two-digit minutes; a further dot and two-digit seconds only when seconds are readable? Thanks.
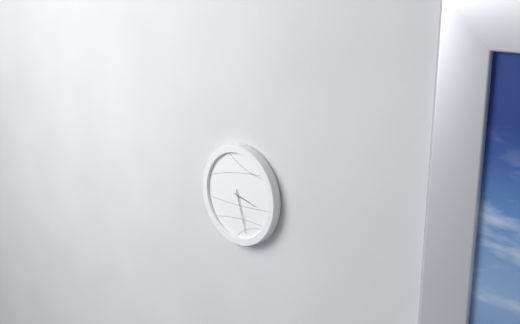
3.27
